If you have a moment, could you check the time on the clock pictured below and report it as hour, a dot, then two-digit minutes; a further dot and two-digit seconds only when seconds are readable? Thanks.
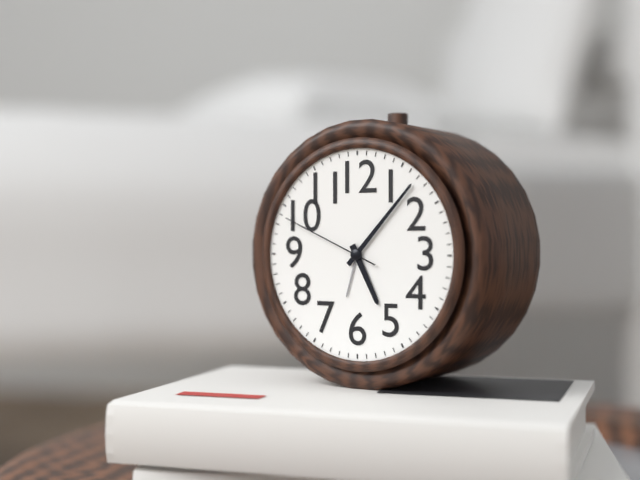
5.07.49
